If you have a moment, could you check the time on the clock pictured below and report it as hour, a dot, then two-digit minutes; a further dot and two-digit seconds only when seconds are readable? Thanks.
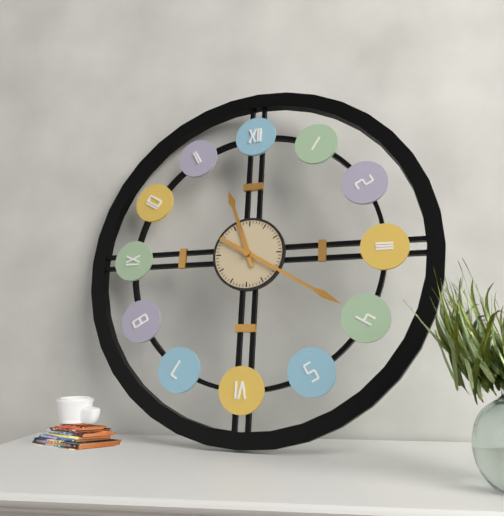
11.20
